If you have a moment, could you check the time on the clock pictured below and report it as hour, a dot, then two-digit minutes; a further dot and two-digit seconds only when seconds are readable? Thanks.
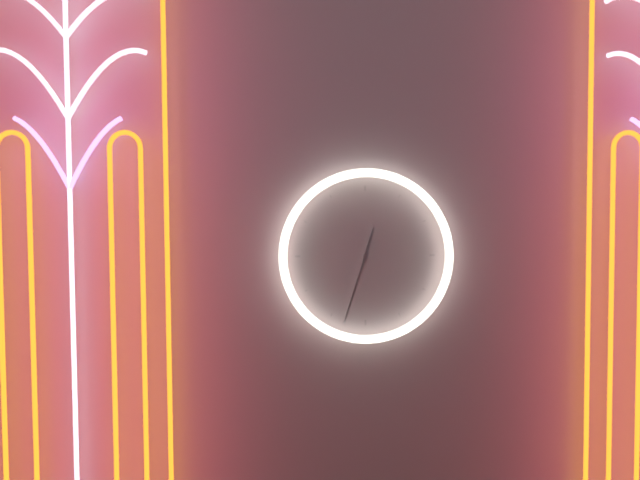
12.33
